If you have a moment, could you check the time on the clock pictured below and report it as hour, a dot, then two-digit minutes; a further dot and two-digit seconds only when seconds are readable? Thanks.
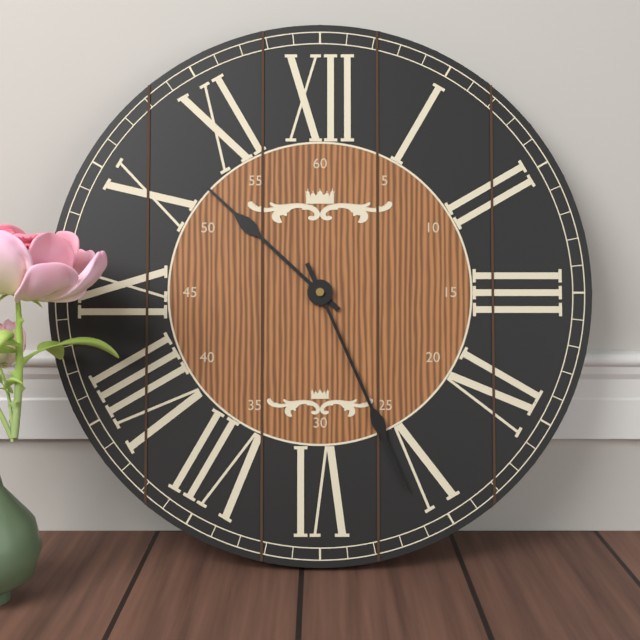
10.26
